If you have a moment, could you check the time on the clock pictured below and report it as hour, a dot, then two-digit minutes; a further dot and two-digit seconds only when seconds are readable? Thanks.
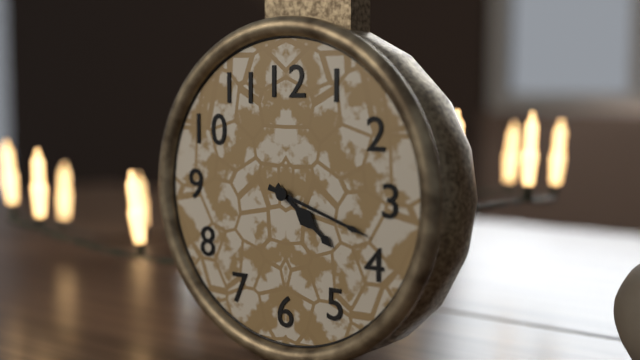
4.18
